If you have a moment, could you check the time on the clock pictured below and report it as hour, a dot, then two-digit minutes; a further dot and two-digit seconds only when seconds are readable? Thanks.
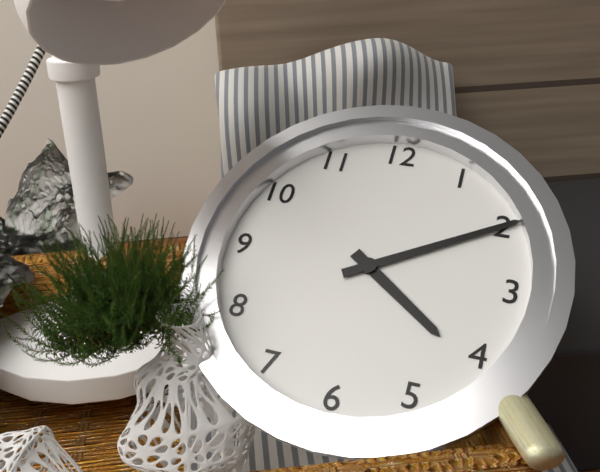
4.10
